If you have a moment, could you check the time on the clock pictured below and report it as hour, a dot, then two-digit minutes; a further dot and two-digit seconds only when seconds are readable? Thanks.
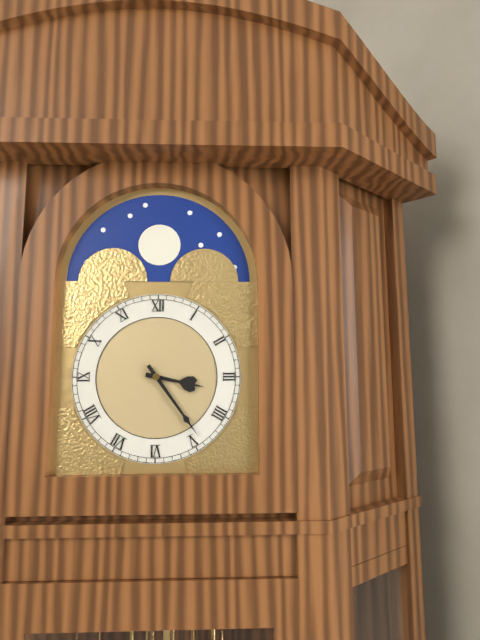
3.24
